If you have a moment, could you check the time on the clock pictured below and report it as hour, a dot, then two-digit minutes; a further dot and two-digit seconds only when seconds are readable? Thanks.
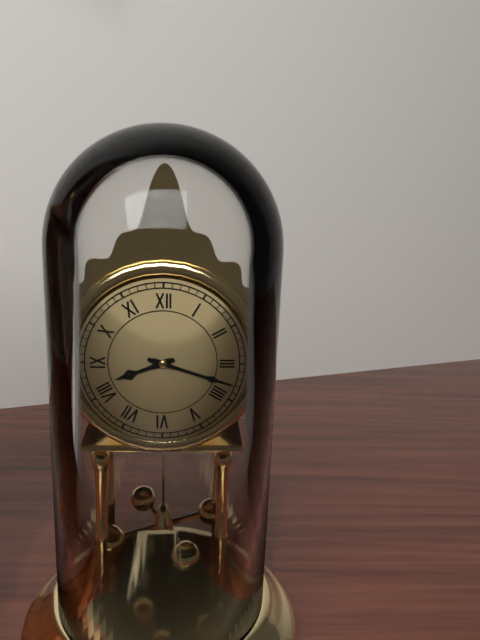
8.18
